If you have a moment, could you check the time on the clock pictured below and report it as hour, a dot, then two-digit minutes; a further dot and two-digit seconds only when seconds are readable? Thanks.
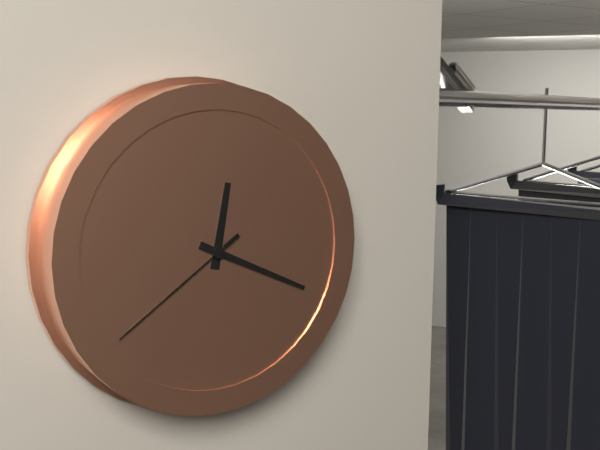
12.19.39
